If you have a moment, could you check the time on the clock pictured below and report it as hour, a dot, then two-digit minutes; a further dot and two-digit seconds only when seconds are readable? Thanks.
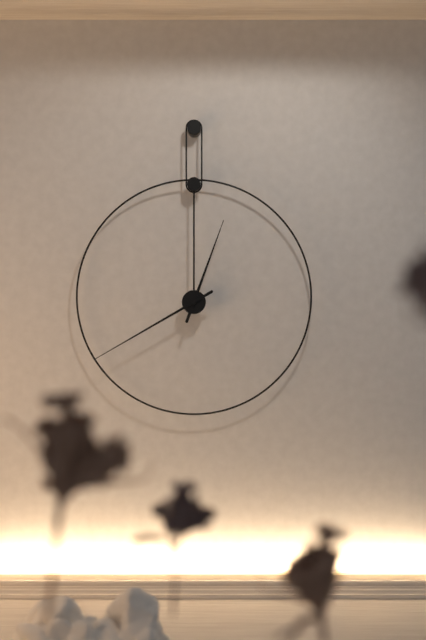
12.40
